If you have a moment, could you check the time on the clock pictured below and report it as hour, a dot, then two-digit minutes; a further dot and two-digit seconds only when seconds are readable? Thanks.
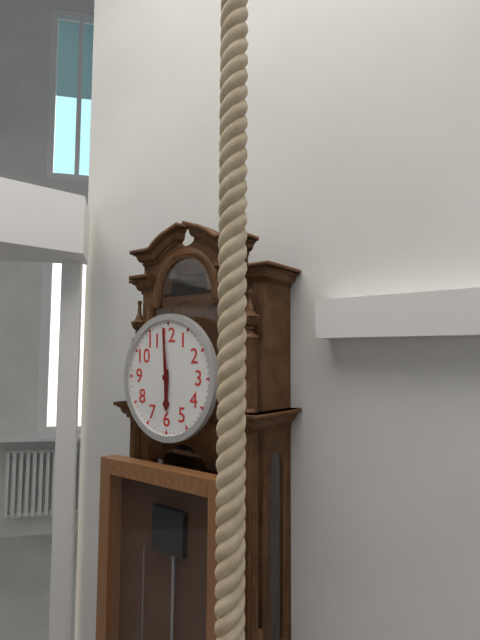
5.59
